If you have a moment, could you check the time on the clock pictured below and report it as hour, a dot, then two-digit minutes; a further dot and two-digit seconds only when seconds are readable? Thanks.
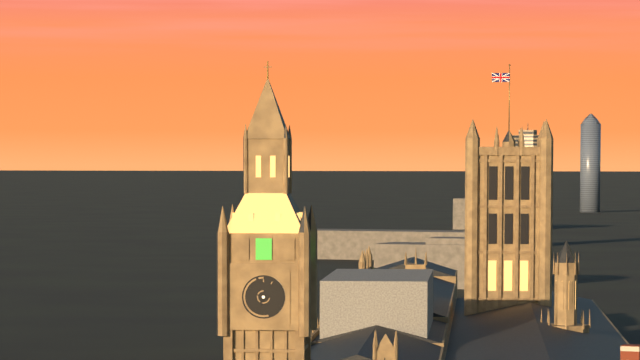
6.48
